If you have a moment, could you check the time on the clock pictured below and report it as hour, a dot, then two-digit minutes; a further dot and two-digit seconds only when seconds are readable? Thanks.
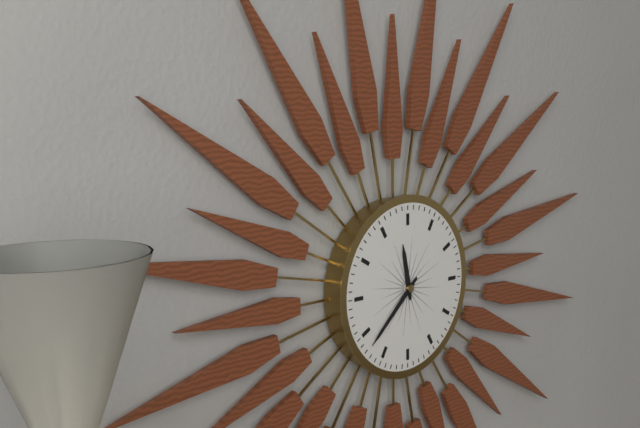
11.38
